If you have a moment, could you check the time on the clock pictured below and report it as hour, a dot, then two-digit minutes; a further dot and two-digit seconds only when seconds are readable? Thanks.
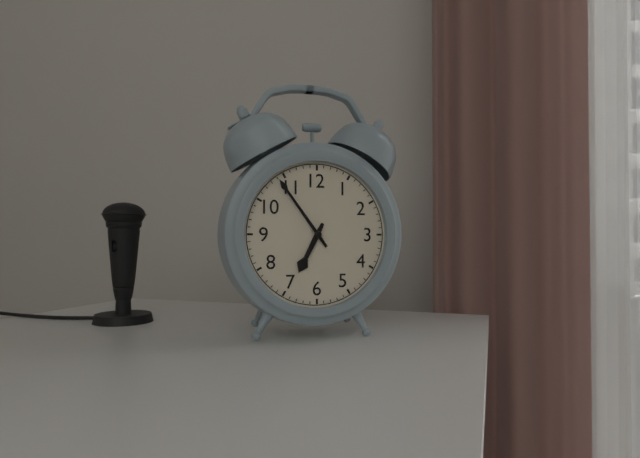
6.54
